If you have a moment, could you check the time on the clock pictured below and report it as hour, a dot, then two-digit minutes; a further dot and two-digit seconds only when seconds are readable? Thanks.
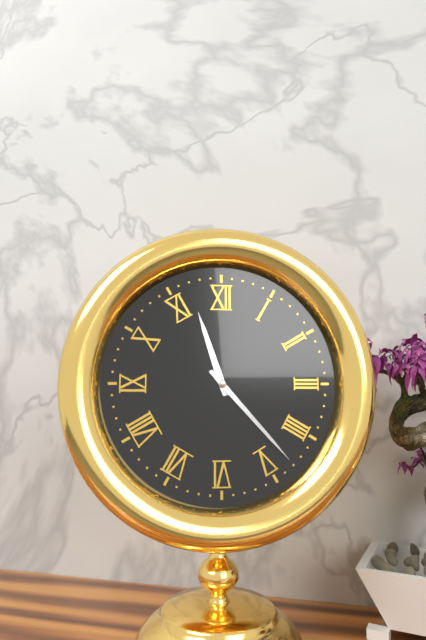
11.23
